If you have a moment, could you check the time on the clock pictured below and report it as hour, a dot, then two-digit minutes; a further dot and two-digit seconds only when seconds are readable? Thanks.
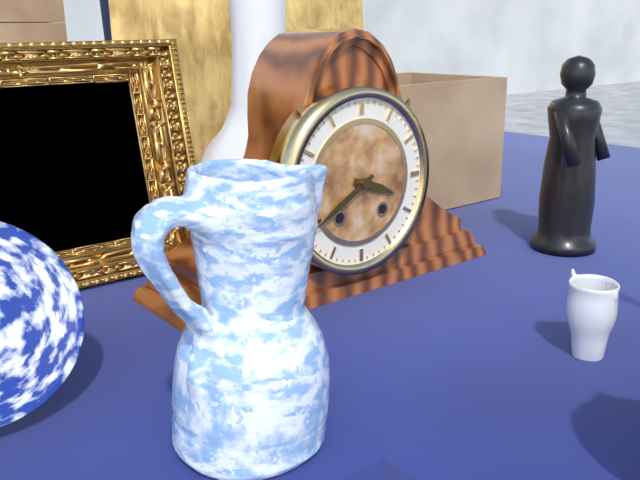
3.40
